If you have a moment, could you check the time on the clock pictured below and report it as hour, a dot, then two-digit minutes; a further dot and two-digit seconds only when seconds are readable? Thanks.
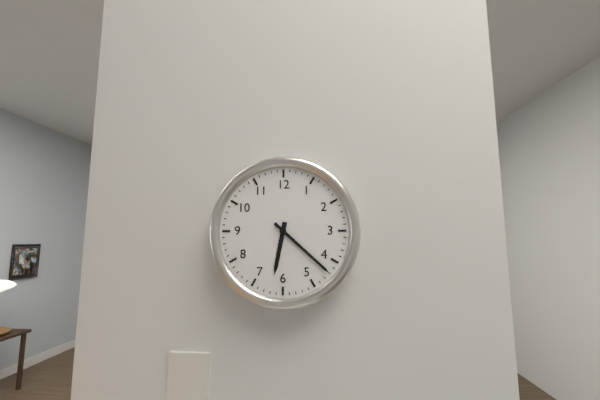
6.22
